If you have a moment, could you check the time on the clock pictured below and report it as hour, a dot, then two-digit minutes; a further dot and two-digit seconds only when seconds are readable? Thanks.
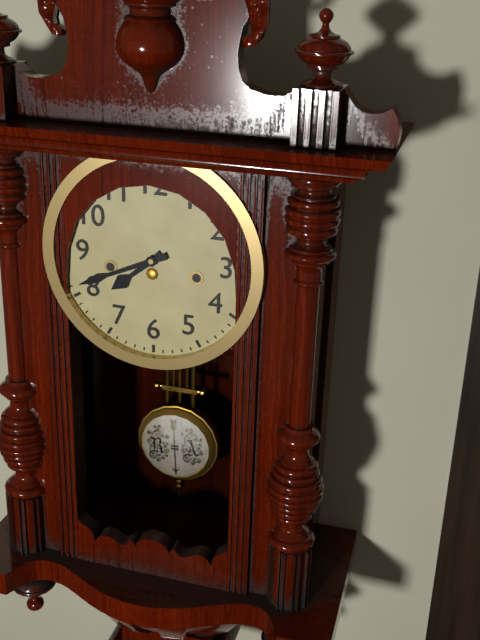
7.41
